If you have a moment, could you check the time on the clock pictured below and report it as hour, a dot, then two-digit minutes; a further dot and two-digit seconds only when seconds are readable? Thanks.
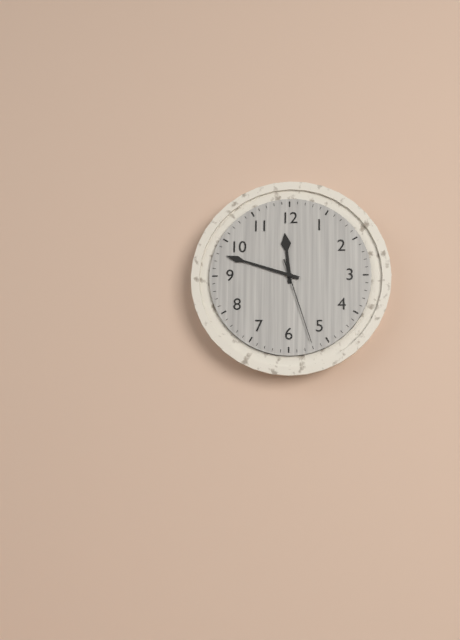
11.48.27
